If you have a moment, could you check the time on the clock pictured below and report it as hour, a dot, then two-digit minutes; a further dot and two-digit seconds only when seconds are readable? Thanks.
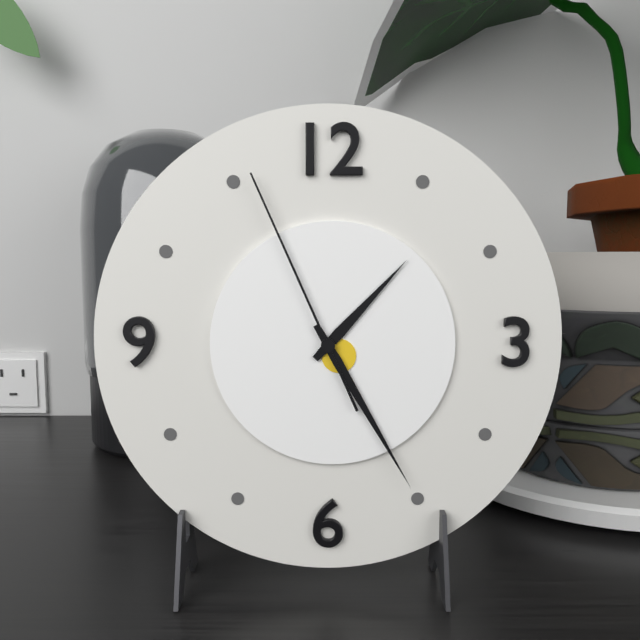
1.25.56
